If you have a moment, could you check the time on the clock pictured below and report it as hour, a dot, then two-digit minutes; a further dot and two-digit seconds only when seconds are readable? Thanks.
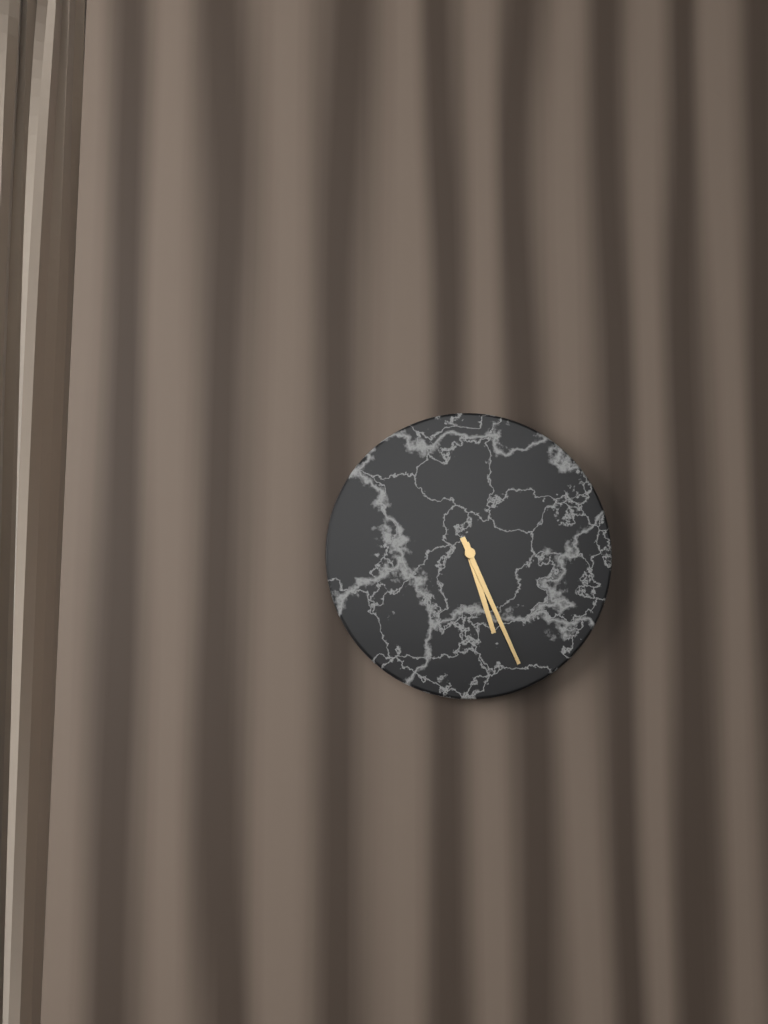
5.26
